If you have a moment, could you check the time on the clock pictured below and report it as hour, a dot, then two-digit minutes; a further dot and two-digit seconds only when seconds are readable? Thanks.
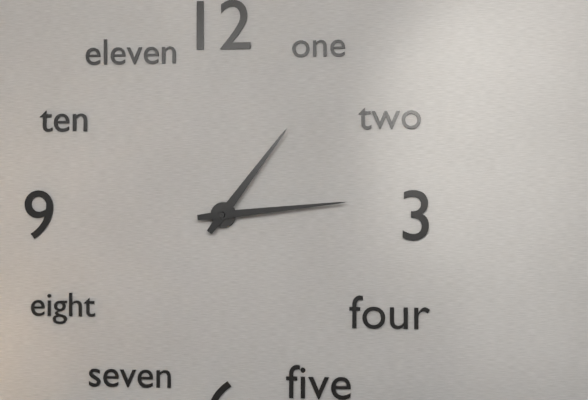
1.14
